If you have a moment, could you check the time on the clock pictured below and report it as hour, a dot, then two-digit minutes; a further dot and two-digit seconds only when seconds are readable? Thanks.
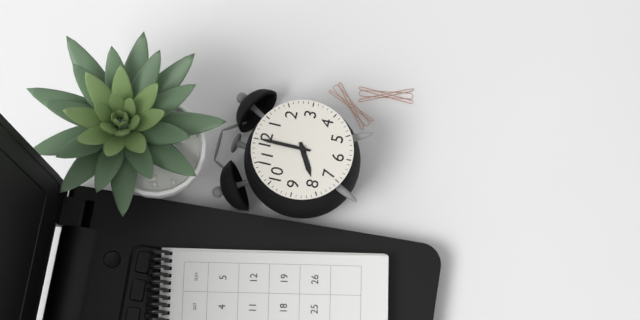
8.00
